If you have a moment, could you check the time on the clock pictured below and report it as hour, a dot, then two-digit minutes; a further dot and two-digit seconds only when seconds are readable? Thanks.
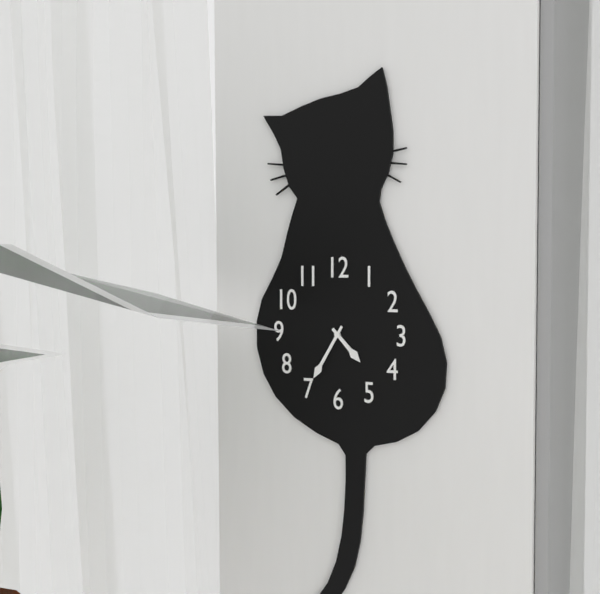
4.35
